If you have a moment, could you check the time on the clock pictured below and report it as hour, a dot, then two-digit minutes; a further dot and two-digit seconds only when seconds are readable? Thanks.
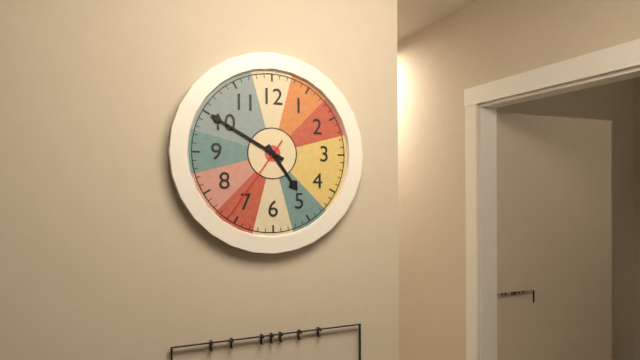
4.50.36
